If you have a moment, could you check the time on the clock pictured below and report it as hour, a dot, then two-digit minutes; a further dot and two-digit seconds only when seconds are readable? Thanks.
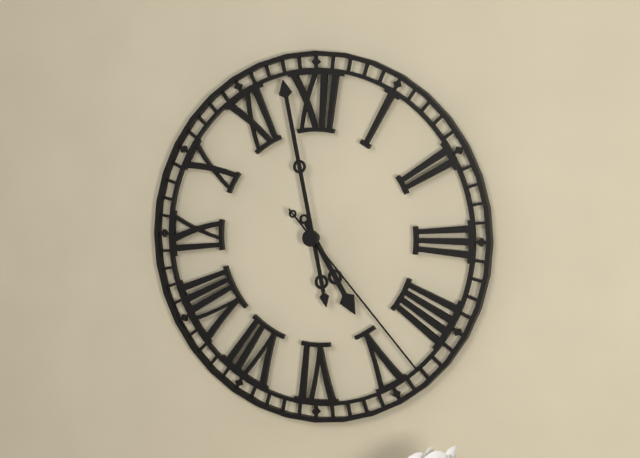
4.58.23
